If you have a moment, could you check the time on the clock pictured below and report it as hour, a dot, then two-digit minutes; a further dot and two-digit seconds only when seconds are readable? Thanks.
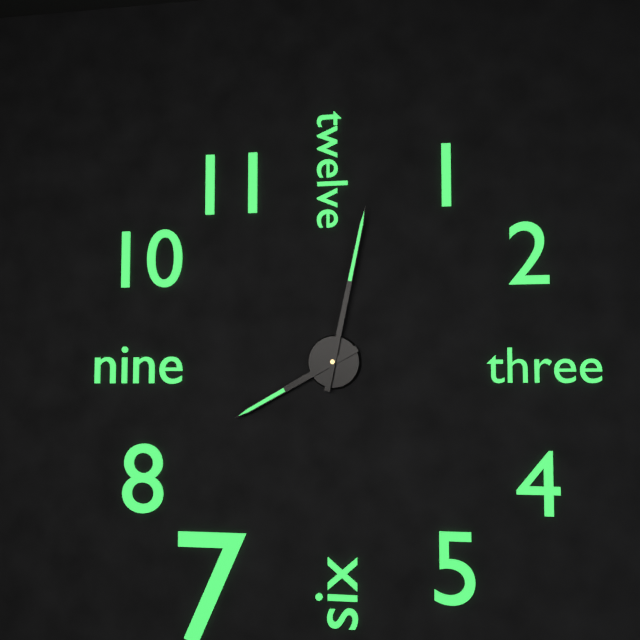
8.02
